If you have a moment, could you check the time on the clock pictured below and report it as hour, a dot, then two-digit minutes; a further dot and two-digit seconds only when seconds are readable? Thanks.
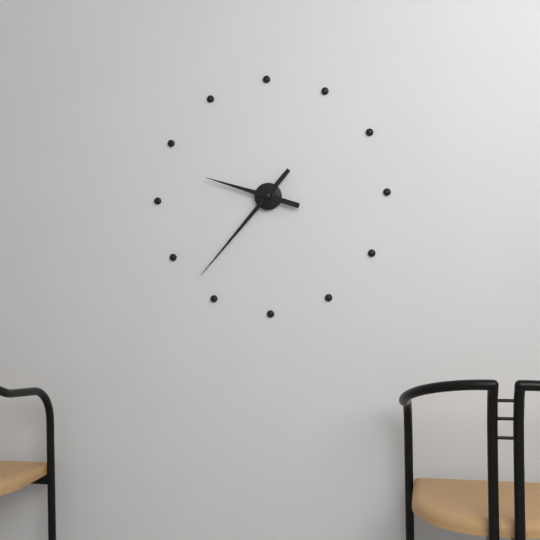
9.37
